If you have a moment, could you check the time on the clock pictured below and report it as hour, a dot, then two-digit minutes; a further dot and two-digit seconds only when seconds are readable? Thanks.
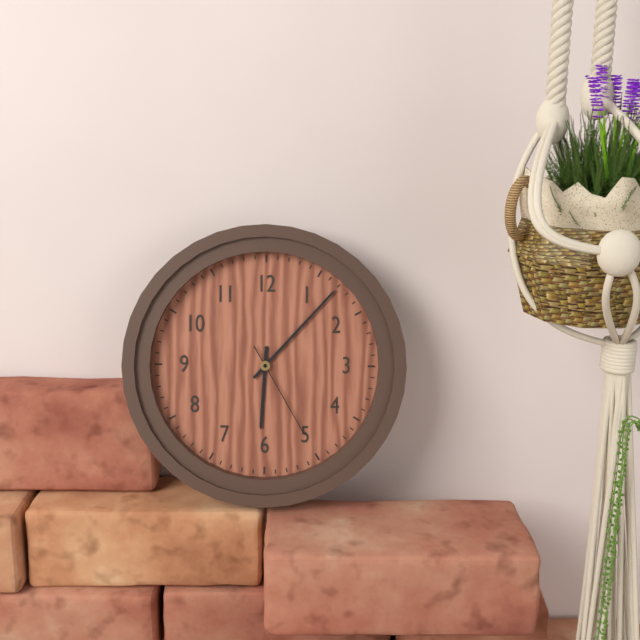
6.07.25
